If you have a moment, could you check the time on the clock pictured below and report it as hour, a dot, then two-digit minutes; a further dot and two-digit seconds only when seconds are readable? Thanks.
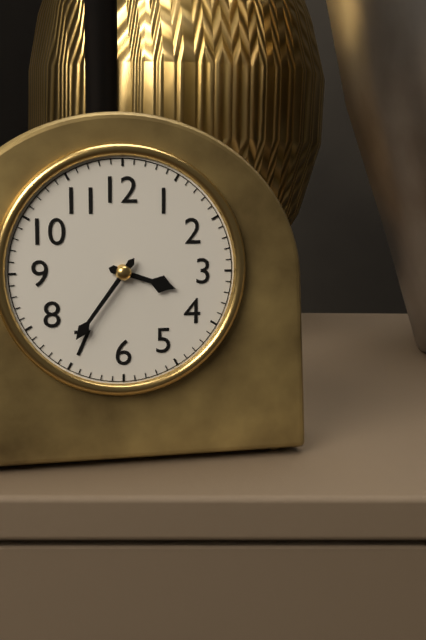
3.36
